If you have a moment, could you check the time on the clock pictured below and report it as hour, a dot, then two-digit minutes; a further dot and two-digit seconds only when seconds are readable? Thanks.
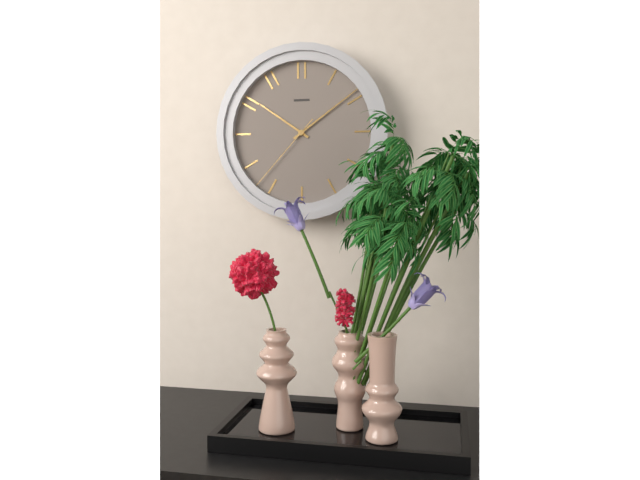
10.09.37
